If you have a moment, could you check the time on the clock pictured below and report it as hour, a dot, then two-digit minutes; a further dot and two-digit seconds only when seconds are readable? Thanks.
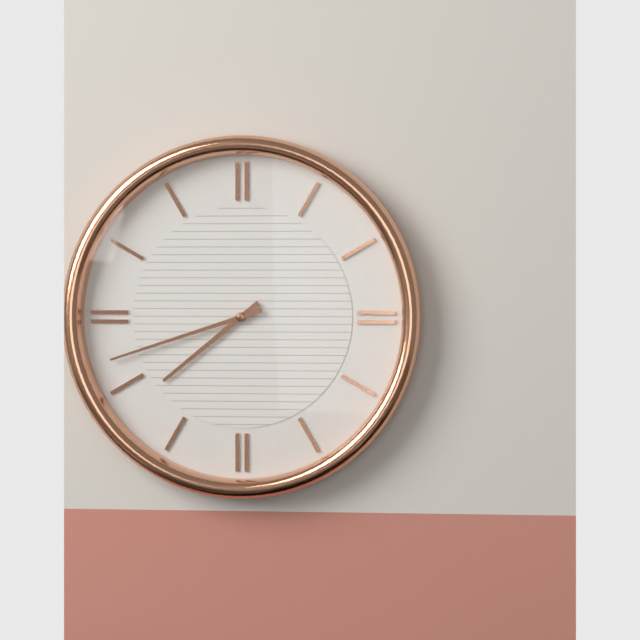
7.42
